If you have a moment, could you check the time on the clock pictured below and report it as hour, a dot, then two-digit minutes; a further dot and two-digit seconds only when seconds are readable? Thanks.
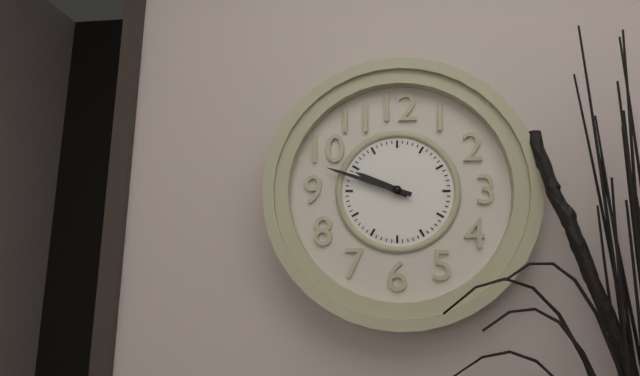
9.48
